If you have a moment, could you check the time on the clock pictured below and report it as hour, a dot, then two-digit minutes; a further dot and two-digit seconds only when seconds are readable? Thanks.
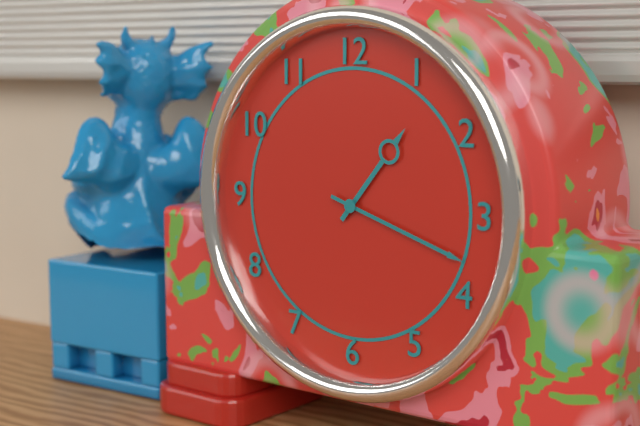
1.18
